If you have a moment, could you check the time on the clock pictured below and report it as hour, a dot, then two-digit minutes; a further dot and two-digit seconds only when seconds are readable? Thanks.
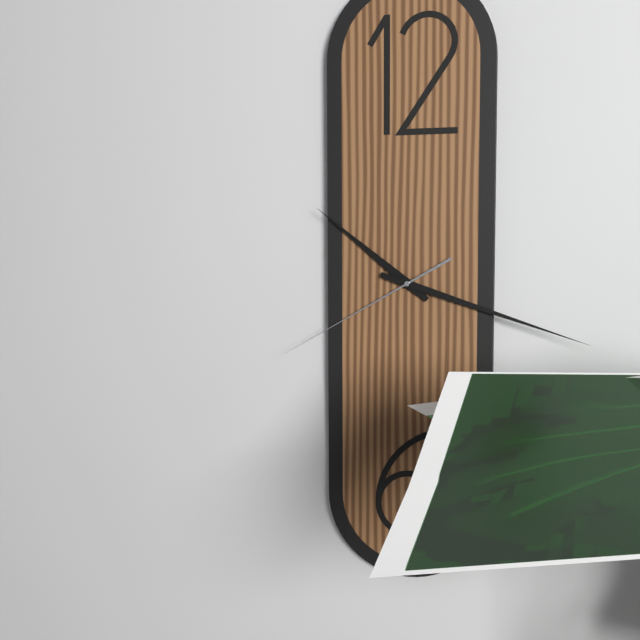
10.18.40
